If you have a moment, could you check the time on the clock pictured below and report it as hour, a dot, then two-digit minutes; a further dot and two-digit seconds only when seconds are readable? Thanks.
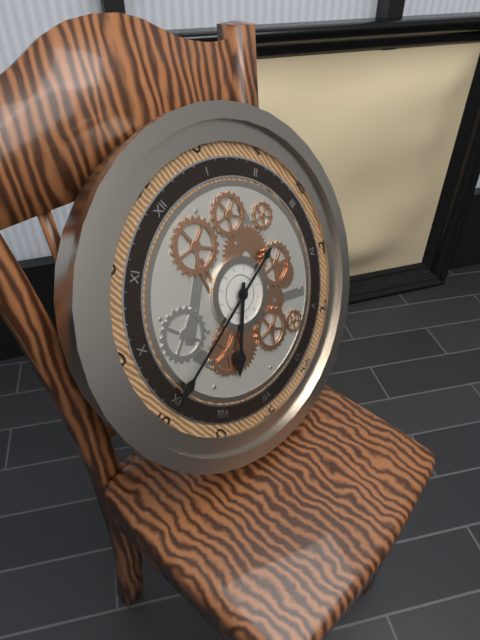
7.45
